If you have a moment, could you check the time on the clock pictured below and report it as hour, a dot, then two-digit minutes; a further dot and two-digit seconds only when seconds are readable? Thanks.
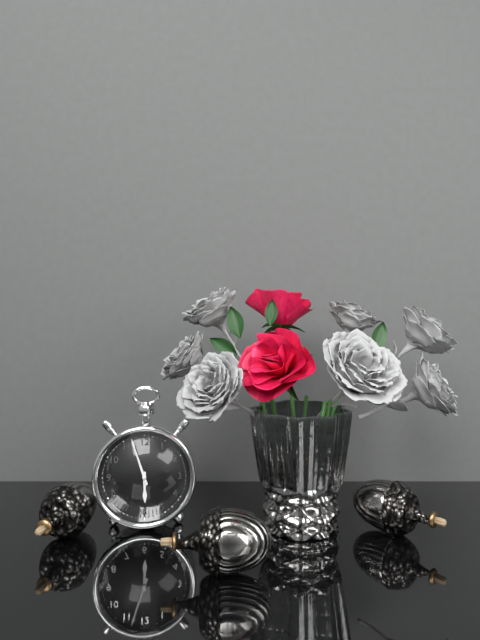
5.57
